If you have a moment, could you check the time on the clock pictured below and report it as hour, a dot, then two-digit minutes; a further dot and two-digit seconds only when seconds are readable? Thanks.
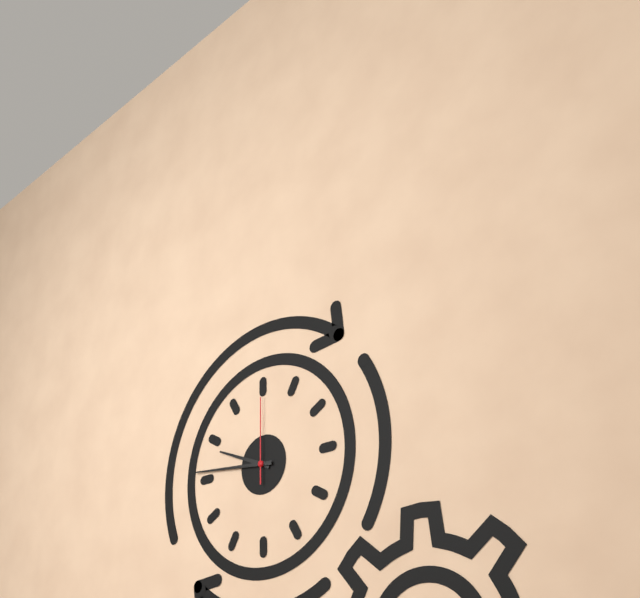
9.46.00
